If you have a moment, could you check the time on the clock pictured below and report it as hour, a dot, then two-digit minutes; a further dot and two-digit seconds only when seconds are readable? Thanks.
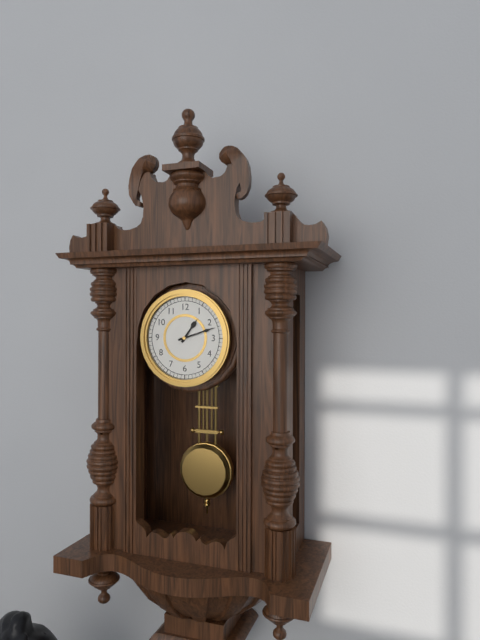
1.12
